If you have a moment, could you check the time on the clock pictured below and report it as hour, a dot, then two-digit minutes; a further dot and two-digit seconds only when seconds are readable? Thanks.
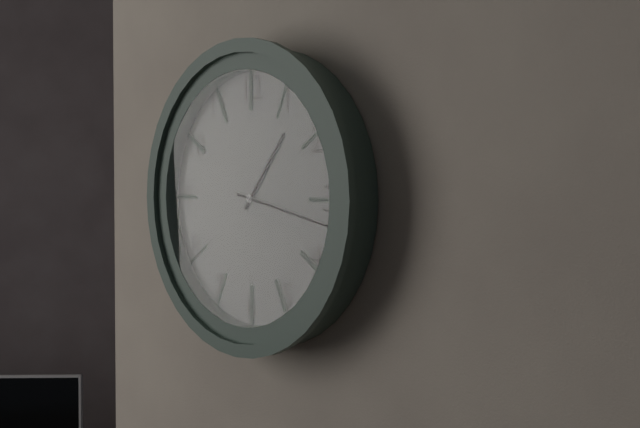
1.17
